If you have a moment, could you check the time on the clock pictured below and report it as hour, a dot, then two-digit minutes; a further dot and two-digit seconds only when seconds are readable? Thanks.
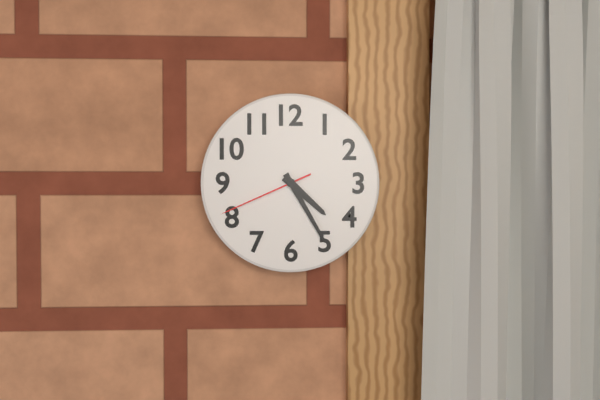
4.25.41
